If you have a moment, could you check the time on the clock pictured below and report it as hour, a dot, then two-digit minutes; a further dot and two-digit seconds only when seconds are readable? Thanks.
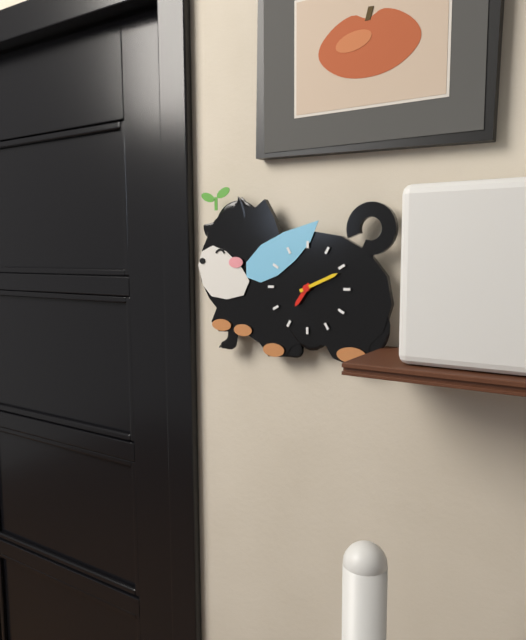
7.11
